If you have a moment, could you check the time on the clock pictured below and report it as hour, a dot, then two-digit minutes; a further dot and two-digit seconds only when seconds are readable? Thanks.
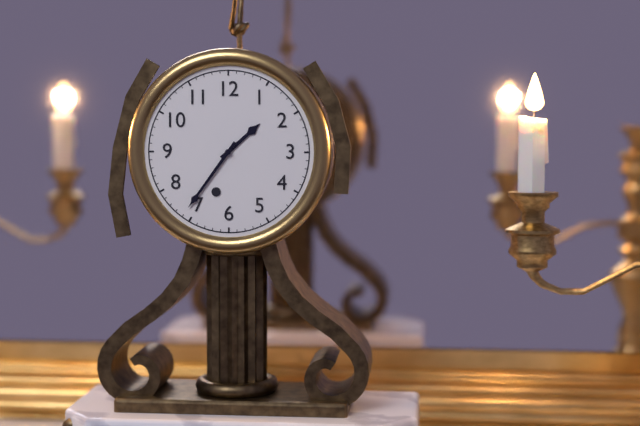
1.36
